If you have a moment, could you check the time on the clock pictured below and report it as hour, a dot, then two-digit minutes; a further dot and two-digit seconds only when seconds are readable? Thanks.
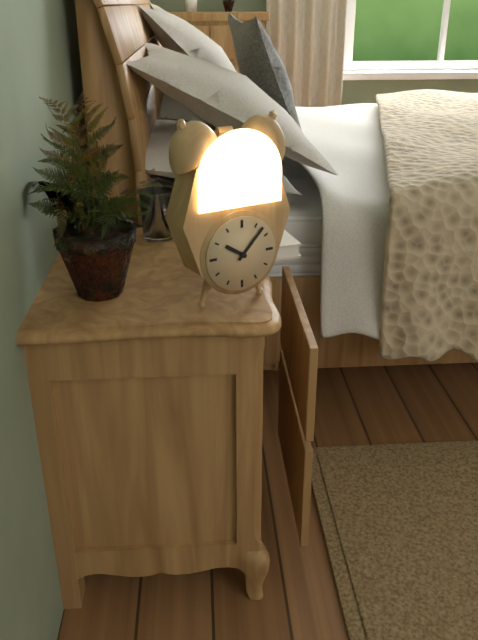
10.07
